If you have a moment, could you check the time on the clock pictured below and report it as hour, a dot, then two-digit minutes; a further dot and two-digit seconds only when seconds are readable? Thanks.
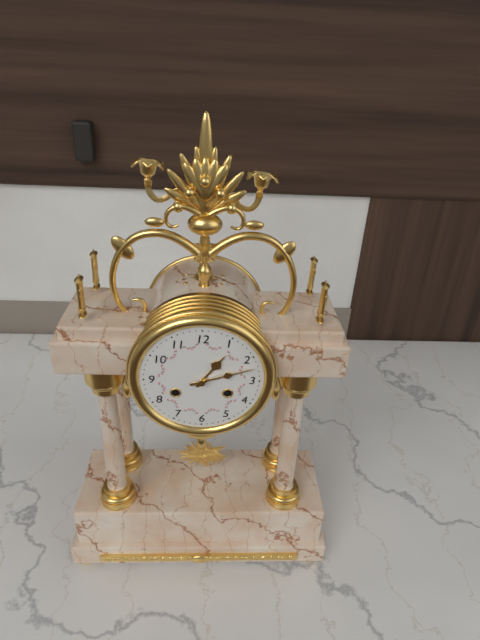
1.12
